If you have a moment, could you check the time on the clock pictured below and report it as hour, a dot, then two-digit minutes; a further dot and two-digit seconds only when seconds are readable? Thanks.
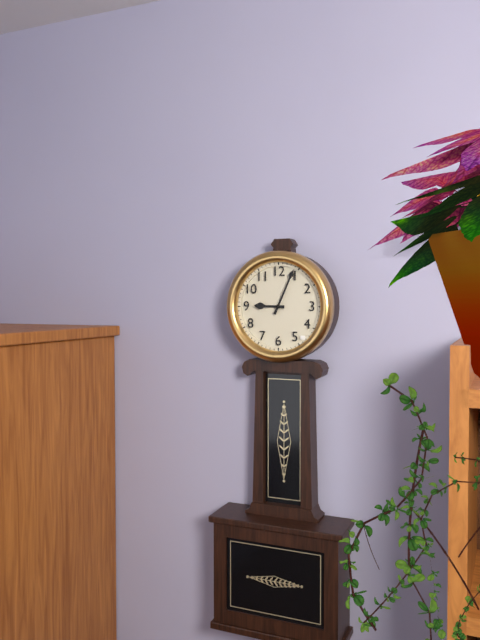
9.04
